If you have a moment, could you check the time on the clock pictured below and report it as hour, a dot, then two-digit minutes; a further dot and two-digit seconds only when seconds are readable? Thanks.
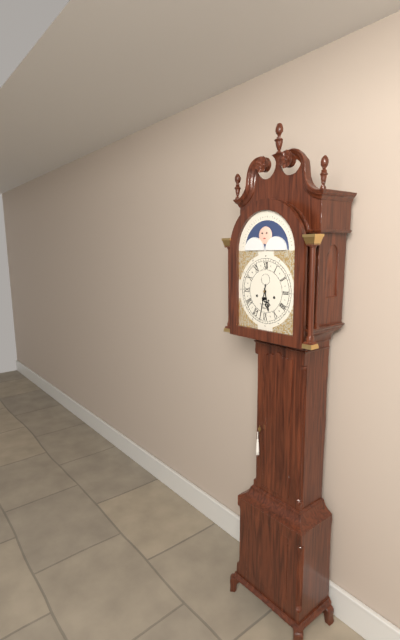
5.32
